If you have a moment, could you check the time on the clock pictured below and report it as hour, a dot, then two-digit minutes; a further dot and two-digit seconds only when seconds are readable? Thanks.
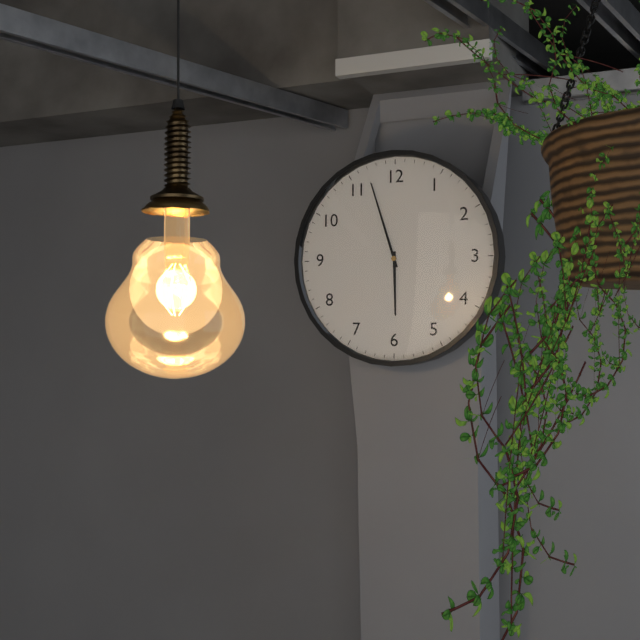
5.57
